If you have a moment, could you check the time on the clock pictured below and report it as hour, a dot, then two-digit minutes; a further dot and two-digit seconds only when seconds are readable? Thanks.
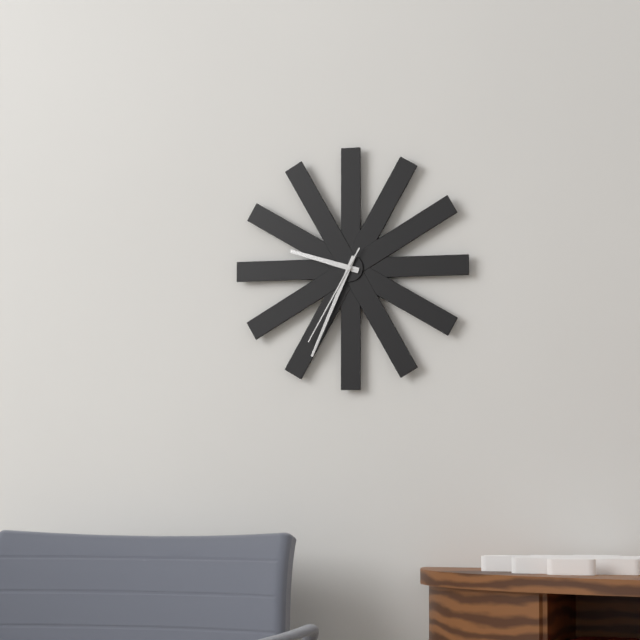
9.34.35
